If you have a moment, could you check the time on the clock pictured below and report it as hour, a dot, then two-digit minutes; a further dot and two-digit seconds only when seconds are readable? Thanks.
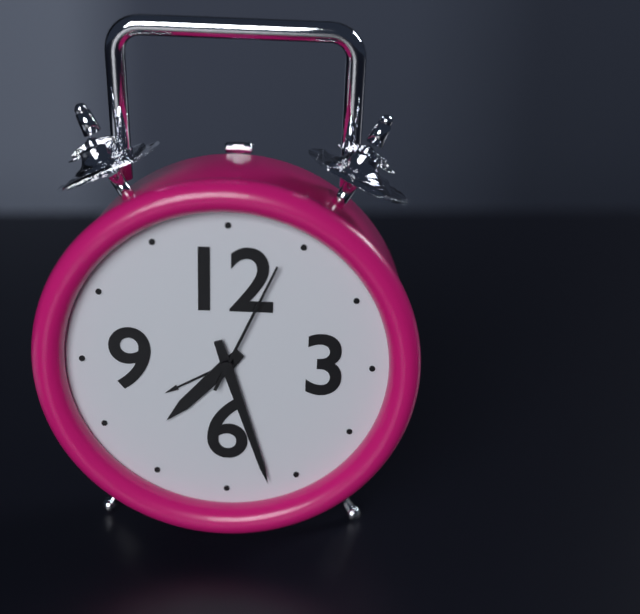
7.27.04
